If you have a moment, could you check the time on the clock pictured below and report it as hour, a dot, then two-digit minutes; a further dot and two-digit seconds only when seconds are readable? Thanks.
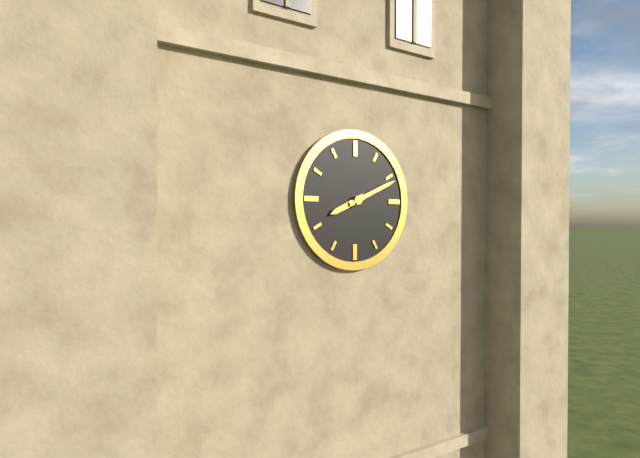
8.11
